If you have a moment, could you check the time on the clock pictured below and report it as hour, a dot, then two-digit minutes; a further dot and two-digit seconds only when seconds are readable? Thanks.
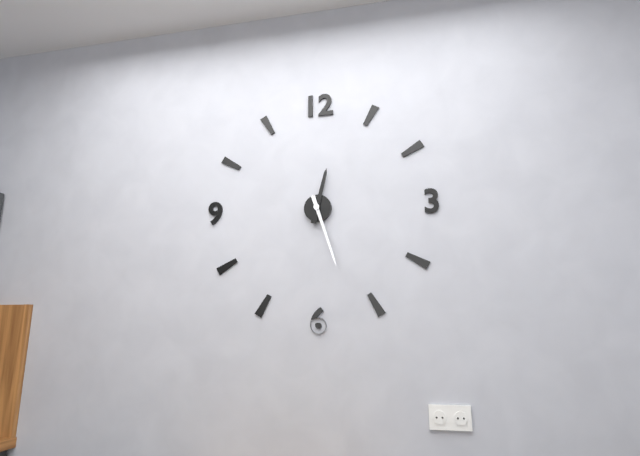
12.27
